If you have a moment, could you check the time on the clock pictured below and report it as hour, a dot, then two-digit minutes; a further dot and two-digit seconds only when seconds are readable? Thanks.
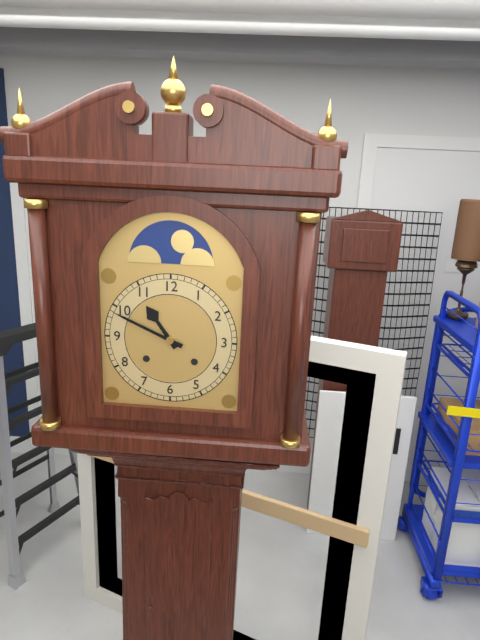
10.49
